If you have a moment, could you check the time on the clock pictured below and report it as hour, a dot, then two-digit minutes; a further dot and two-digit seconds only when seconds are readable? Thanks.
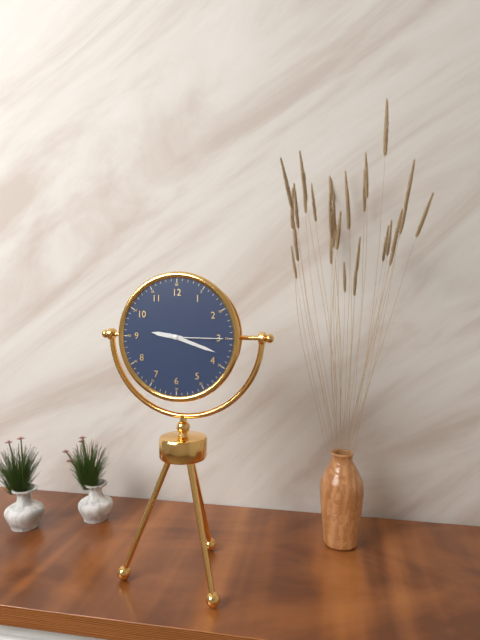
9.18.15
